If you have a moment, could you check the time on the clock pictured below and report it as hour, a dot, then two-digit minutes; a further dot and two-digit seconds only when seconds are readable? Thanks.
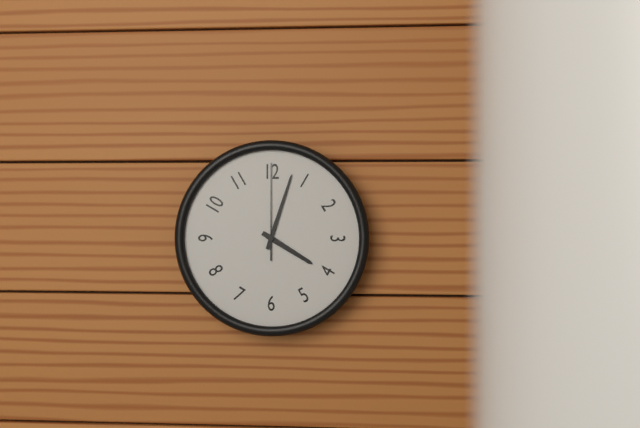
4.03.00
